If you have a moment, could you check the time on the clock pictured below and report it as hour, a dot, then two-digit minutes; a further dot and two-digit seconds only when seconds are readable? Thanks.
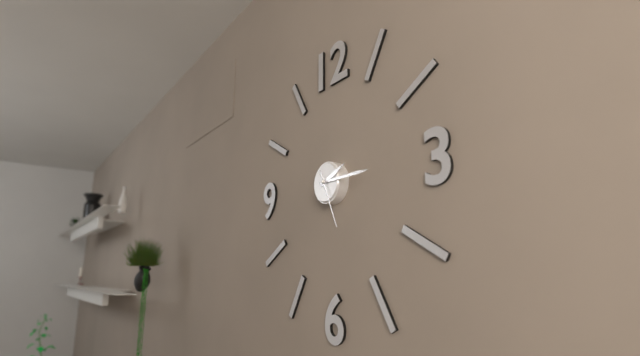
2.15.26
